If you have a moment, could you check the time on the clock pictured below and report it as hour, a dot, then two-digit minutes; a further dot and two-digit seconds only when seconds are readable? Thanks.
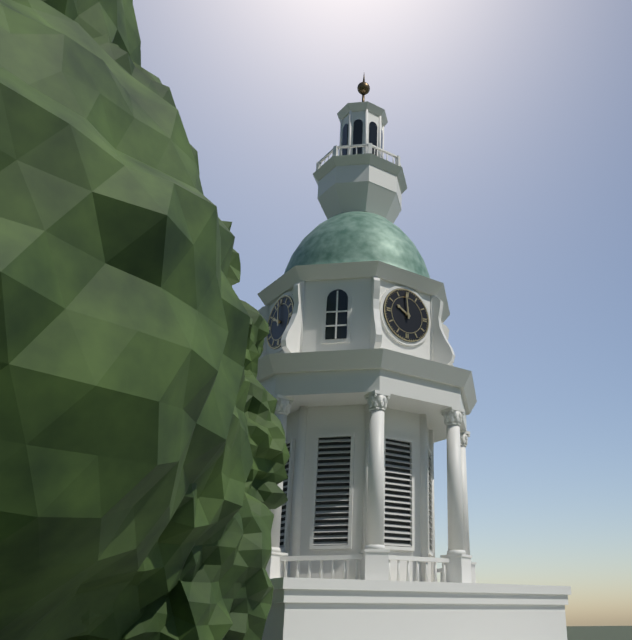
9.59
